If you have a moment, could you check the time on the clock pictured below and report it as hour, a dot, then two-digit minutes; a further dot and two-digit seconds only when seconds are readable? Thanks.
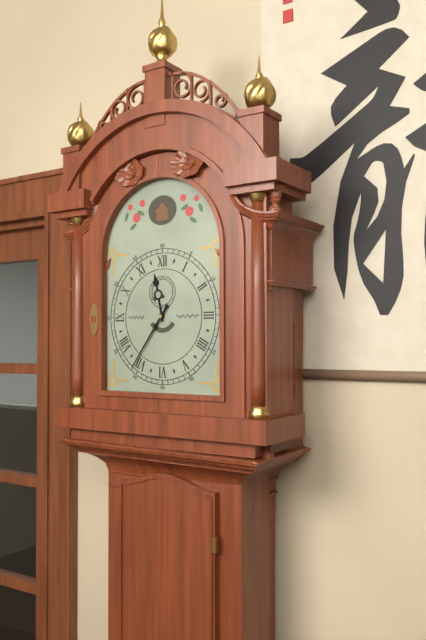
11.36
